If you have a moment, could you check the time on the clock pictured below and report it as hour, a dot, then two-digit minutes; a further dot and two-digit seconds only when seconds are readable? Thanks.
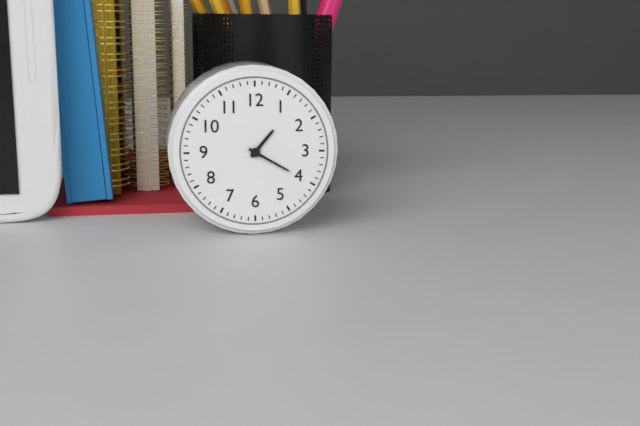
1.20
